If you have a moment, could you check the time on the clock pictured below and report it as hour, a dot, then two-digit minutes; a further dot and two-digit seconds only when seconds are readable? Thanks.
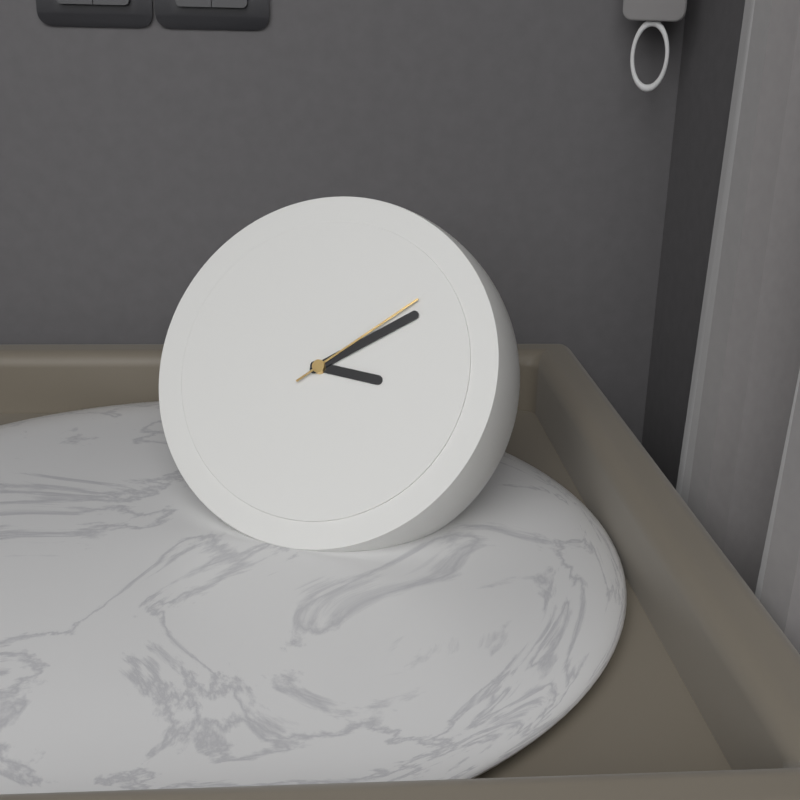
3.09.08
